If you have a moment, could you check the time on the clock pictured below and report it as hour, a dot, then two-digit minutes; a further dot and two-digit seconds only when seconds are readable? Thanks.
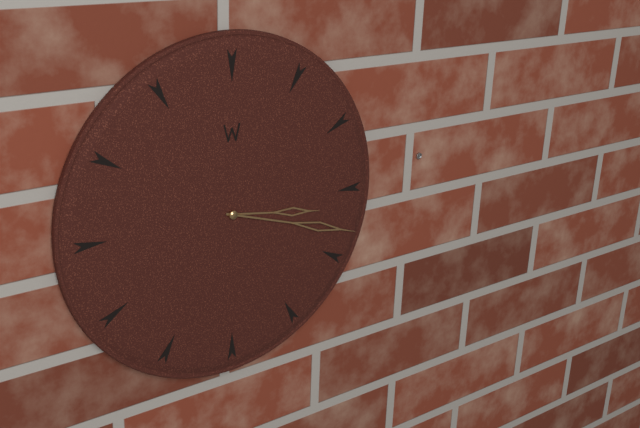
3.18
